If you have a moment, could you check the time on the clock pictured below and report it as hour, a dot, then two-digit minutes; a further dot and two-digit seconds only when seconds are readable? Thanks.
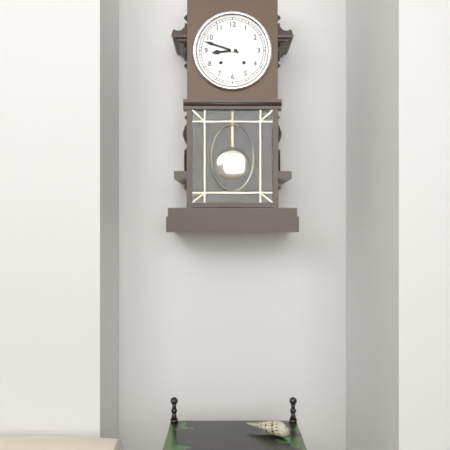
8.48
